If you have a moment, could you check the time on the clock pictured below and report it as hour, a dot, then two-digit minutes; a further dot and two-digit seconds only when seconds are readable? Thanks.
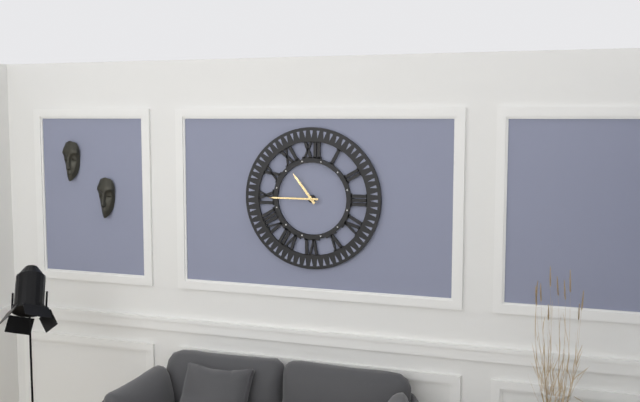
10.45
